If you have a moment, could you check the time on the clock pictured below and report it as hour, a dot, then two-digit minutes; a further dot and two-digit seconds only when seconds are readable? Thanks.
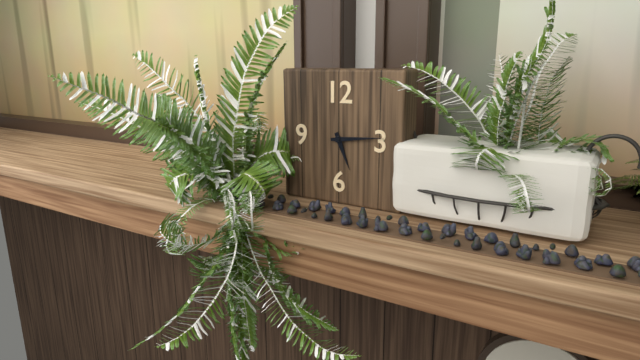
5.14
